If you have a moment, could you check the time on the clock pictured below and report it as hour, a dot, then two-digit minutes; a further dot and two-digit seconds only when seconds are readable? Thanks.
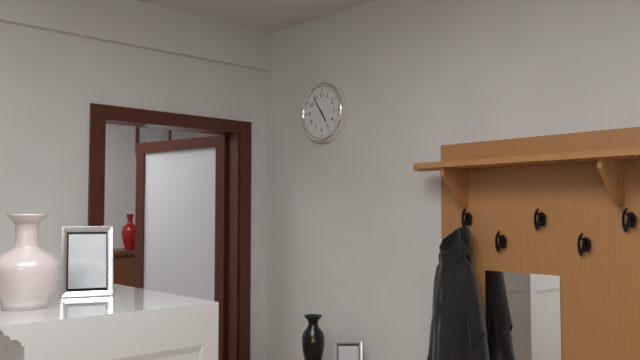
4.54
